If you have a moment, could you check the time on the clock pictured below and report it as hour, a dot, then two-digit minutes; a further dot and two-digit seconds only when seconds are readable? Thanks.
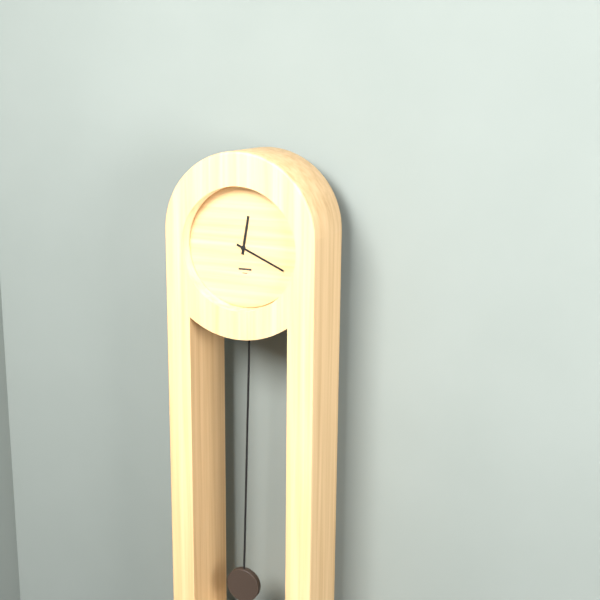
12.19
